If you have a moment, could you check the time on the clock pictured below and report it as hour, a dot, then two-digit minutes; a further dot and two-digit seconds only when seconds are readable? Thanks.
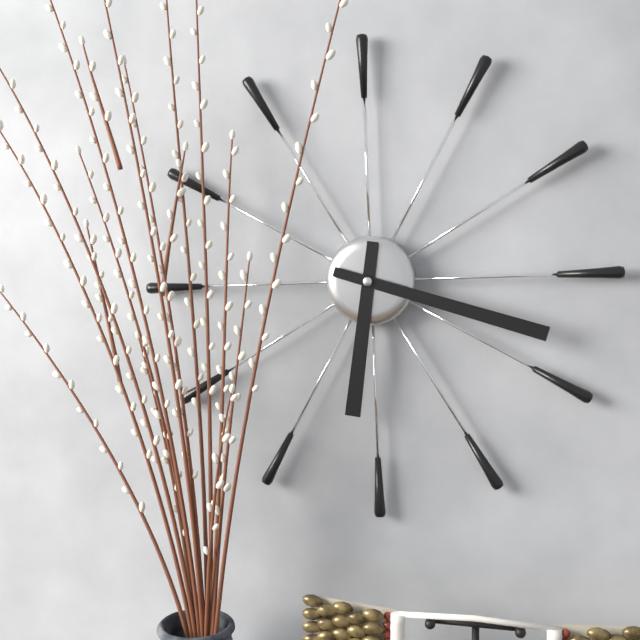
6.18
